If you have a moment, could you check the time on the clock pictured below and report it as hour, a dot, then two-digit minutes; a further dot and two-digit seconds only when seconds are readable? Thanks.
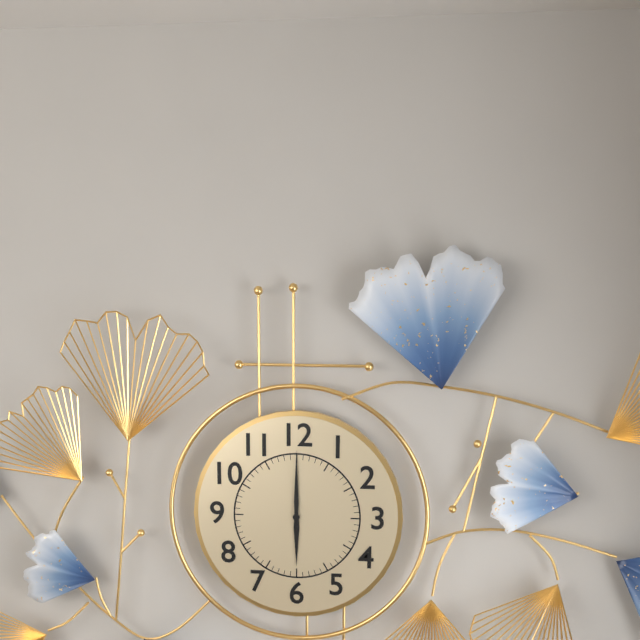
6.00
